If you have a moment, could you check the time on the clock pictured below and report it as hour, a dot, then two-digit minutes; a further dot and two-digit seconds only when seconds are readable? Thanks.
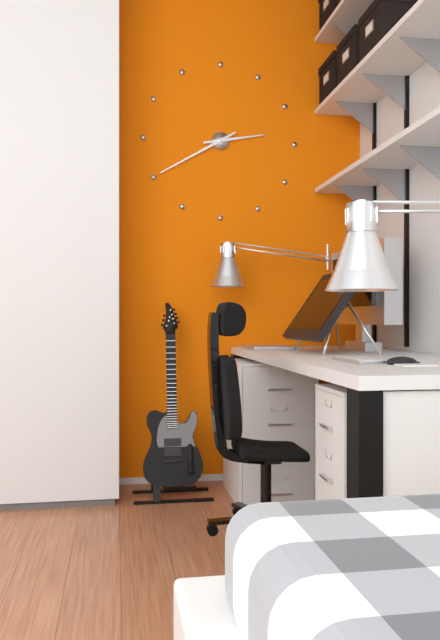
2.40
